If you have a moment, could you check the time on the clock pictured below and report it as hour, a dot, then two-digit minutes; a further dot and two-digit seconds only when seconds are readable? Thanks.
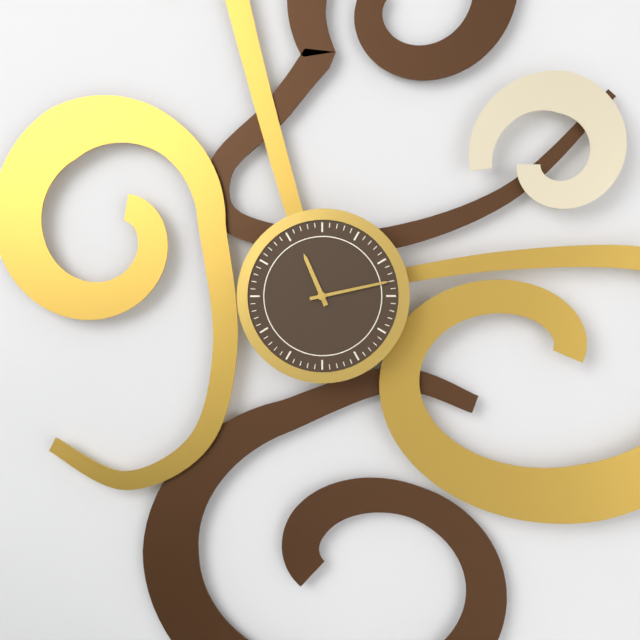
11.13
